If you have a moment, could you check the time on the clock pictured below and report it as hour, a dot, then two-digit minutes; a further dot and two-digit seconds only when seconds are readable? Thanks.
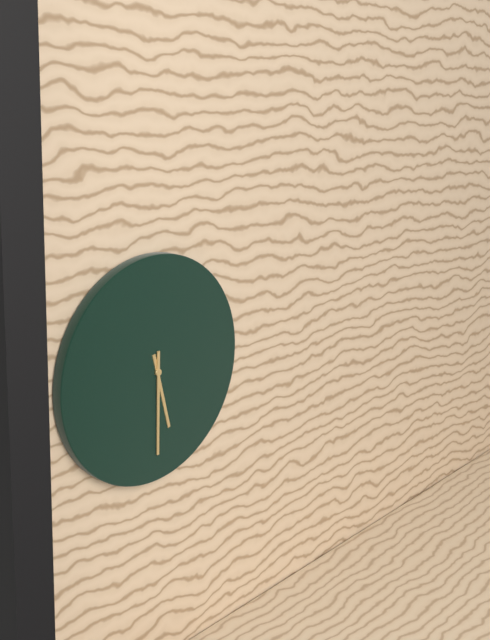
5.30
